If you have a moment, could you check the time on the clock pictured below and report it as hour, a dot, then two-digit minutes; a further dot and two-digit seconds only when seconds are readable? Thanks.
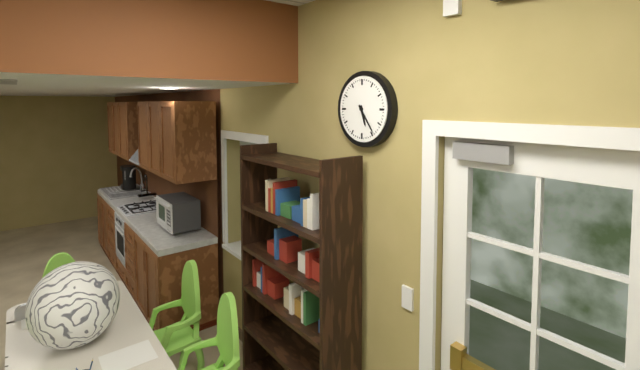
5.24
